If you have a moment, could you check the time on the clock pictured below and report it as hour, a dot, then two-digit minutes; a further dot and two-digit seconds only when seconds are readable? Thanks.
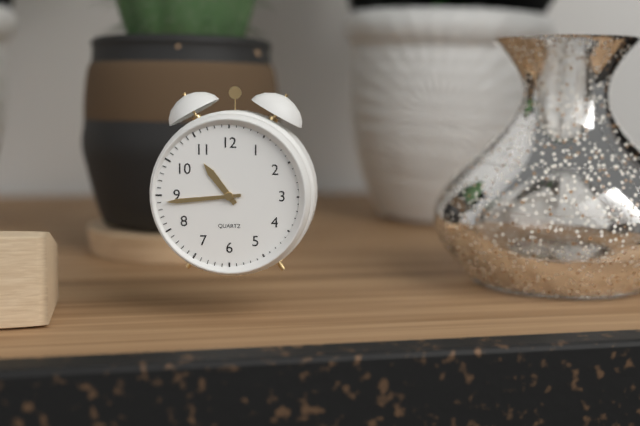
10.44
